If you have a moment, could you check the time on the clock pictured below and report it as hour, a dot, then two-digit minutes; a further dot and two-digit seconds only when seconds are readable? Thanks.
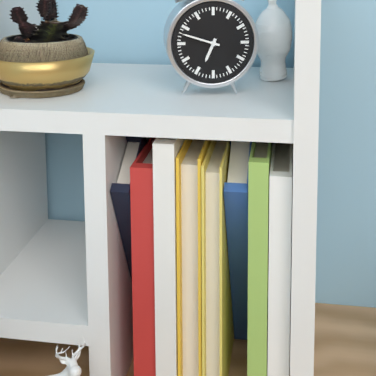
6.48
